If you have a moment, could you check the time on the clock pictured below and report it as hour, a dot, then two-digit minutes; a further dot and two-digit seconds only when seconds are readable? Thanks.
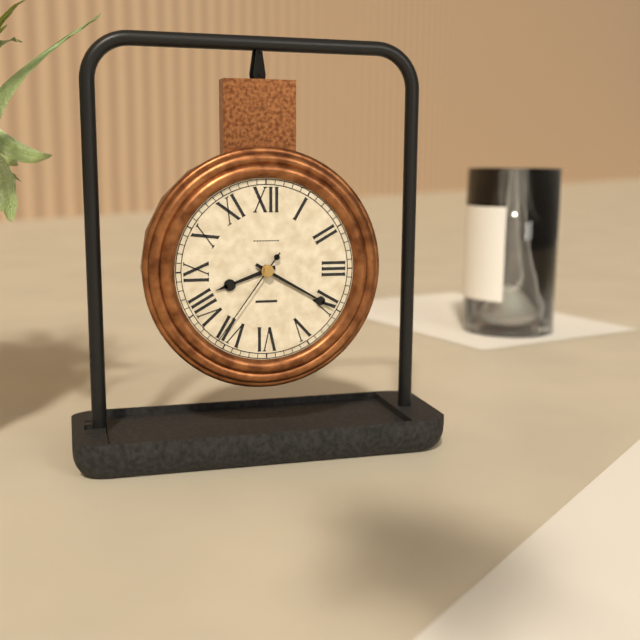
8.20.36
